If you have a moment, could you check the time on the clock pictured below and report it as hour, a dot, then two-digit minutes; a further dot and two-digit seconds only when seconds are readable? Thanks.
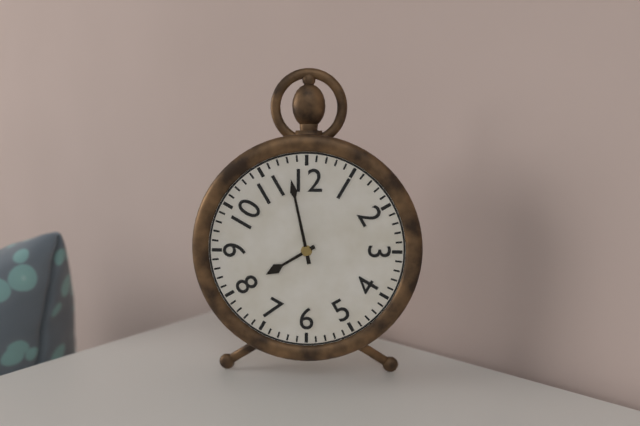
7.58
